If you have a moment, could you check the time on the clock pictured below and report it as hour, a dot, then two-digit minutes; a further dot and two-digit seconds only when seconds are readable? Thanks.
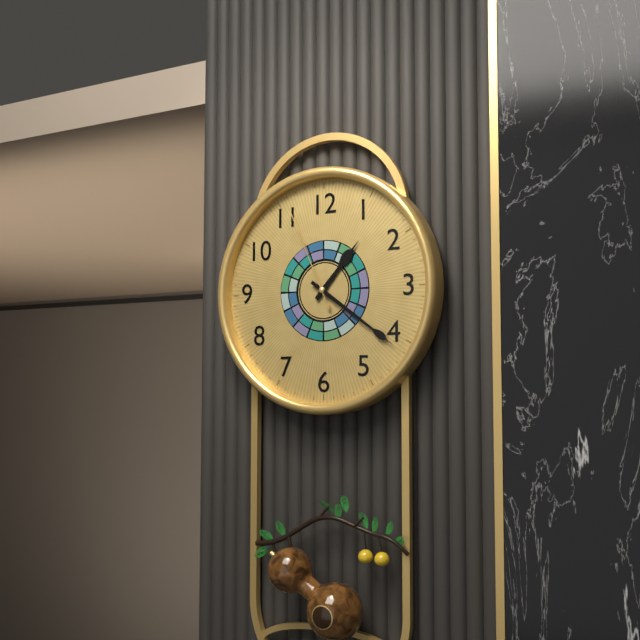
1.21.56
